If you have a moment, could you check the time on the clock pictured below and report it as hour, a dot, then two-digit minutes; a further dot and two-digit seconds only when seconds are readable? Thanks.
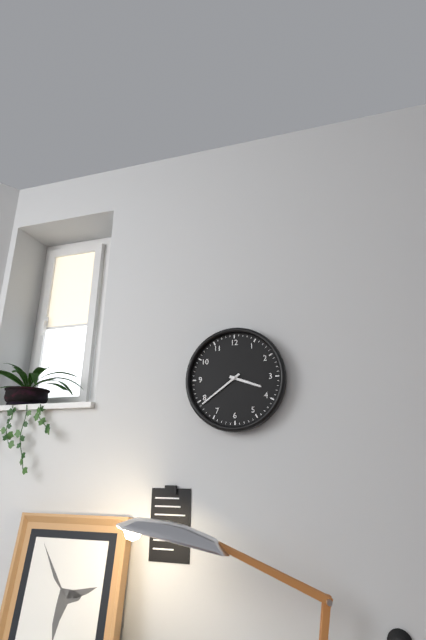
3.39
